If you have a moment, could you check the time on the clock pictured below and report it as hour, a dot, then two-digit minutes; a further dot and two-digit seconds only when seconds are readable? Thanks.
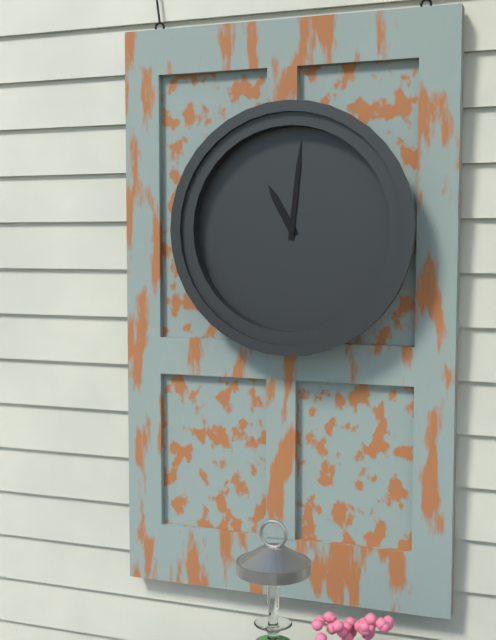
11.01
